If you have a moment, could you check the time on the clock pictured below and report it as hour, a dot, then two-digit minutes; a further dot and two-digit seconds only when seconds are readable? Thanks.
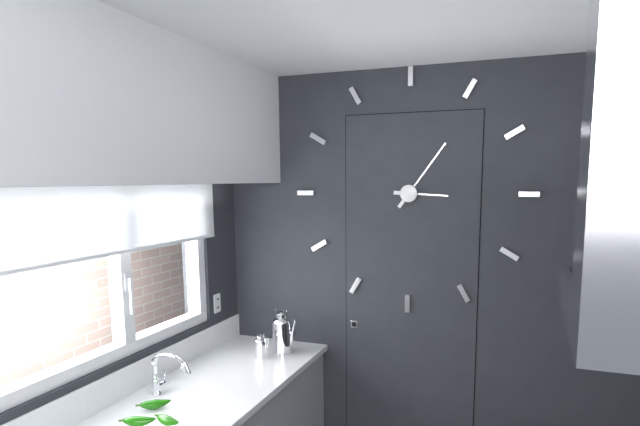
3.06
